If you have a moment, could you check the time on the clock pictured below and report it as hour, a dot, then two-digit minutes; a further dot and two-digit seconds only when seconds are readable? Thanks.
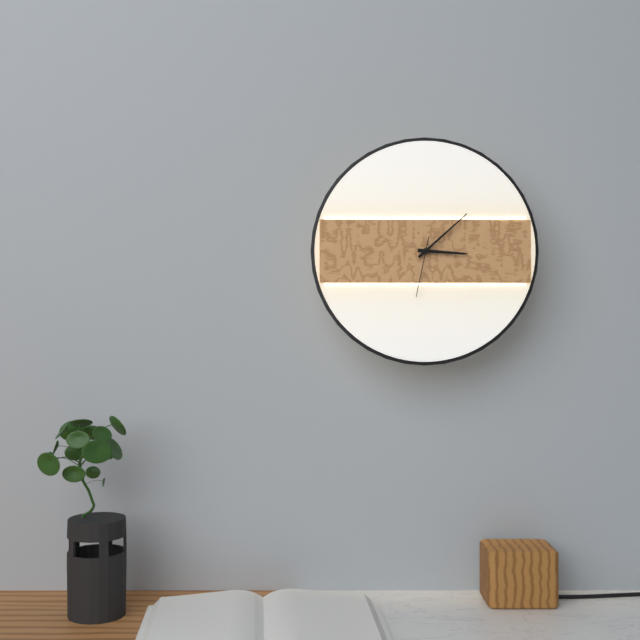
3.08.32
